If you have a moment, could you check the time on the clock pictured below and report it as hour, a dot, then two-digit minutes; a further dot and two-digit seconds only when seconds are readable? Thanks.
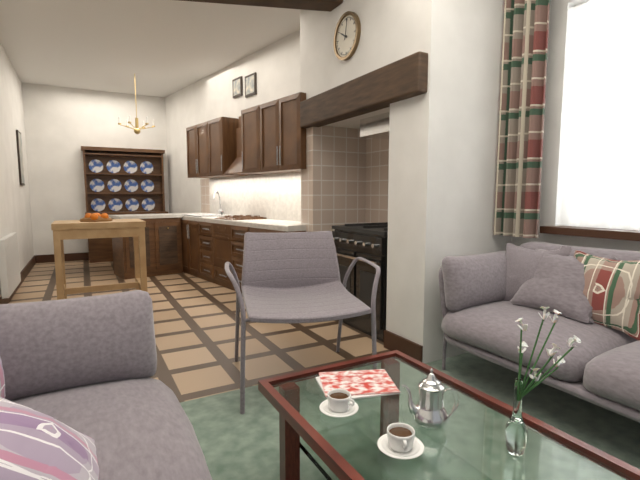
10.02
